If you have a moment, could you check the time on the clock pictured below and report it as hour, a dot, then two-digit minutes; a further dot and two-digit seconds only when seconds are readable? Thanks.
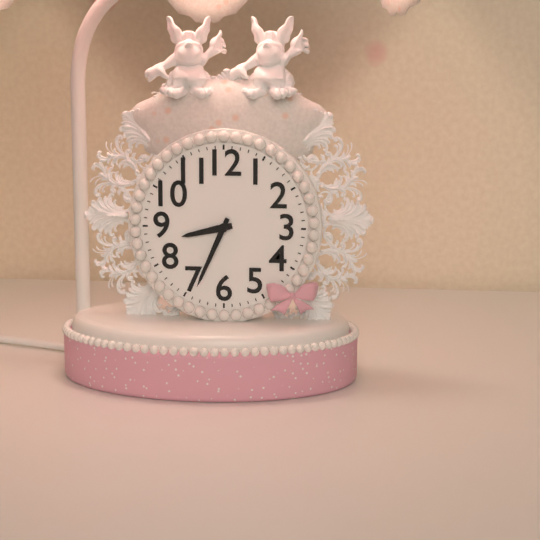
8.34
